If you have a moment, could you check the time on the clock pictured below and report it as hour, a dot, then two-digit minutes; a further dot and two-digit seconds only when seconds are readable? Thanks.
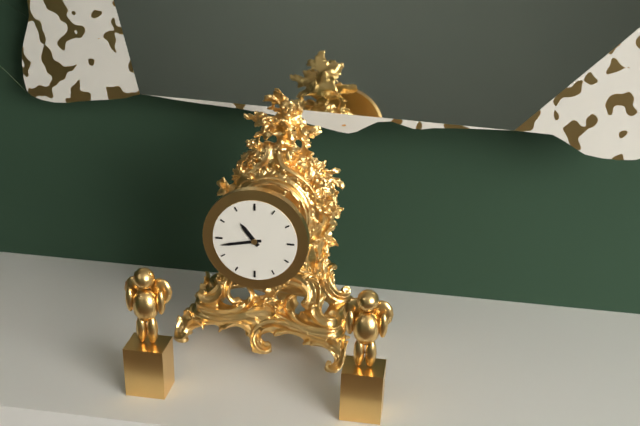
10.43
